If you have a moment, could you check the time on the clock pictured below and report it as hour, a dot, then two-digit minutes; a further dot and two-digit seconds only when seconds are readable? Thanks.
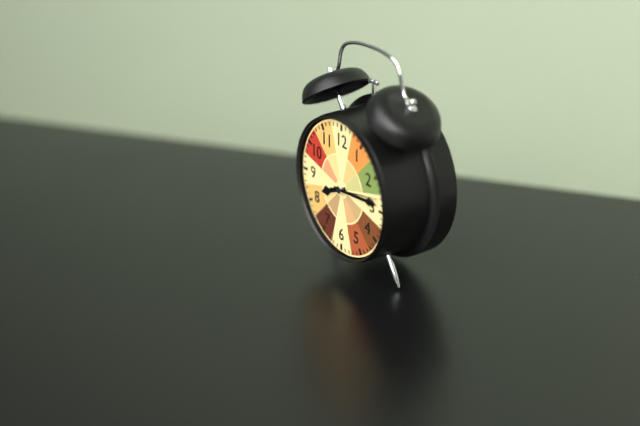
8.14
